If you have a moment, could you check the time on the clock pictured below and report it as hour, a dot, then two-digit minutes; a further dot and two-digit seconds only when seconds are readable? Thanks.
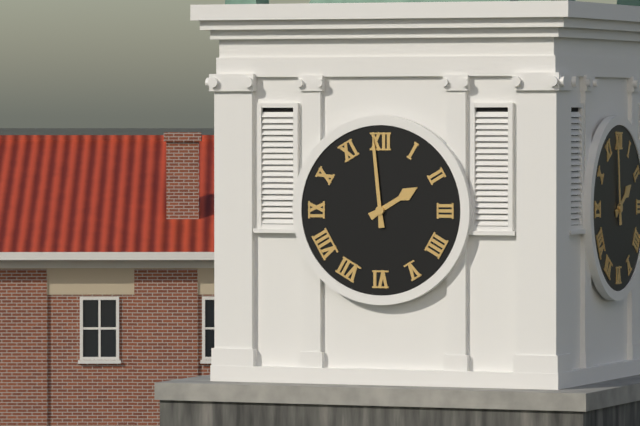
1.59
